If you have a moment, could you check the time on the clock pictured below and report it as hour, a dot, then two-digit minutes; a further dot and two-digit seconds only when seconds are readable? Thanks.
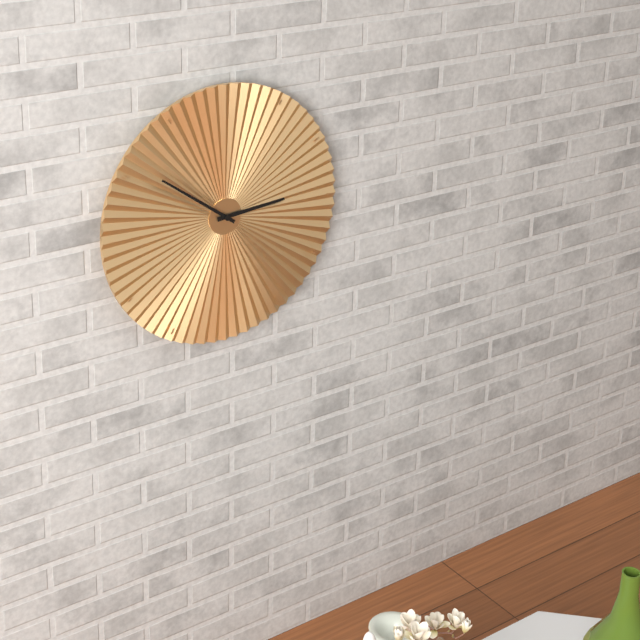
2.51
